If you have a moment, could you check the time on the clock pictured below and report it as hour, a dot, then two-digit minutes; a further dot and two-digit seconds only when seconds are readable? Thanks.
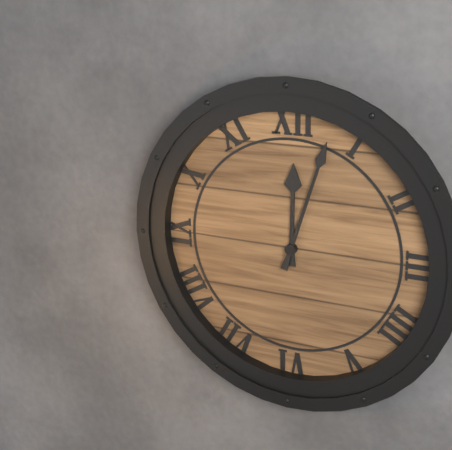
12.03
